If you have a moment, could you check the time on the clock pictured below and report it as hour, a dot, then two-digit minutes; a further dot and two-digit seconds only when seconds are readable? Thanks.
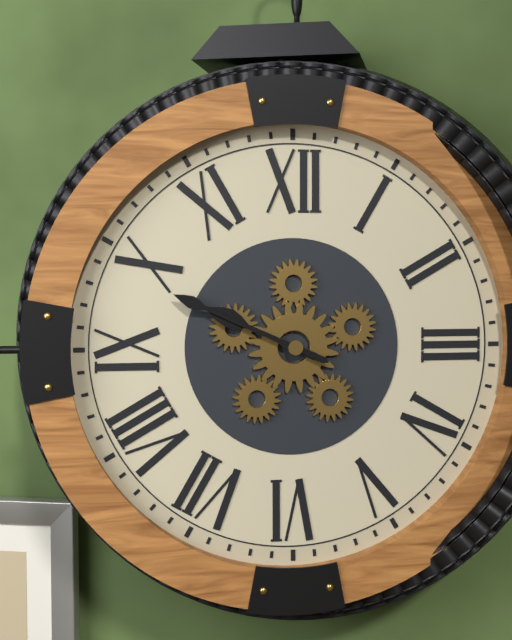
9.49
